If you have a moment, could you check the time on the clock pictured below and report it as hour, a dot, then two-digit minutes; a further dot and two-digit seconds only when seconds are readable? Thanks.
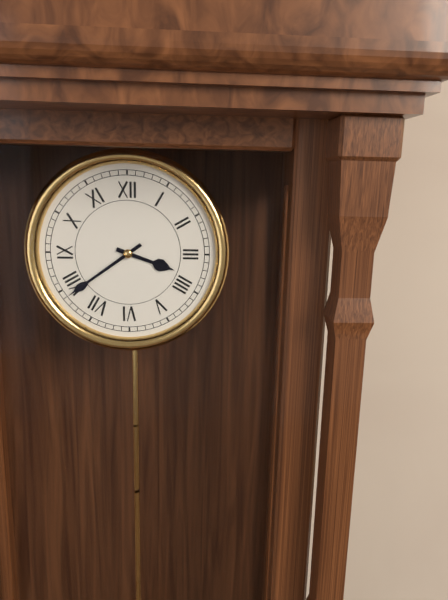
3.39
